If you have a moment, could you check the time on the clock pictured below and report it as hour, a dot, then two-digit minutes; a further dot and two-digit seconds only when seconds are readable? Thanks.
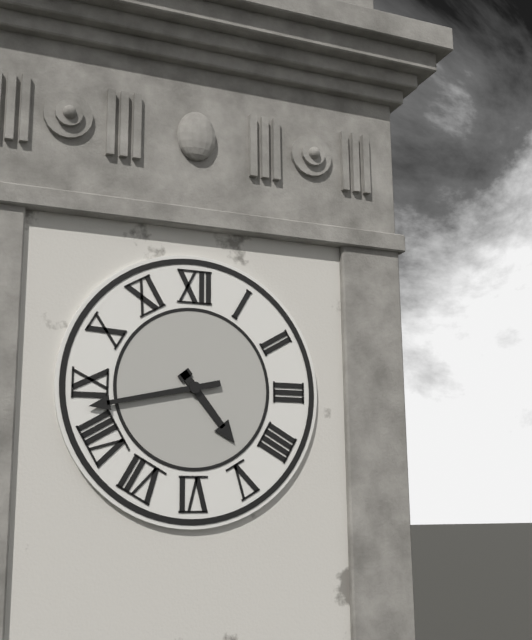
4.43
